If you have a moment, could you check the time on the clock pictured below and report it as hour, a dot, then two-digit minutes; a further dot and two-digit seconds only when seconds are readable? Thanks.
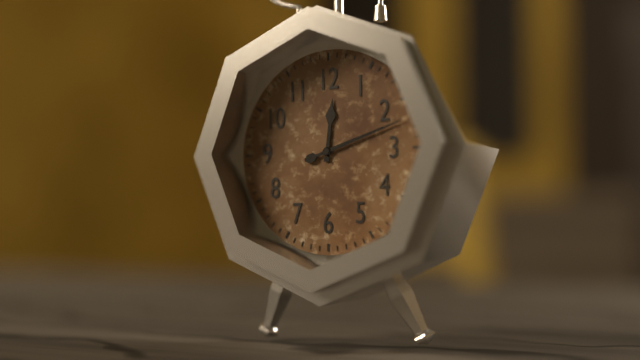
12.12
